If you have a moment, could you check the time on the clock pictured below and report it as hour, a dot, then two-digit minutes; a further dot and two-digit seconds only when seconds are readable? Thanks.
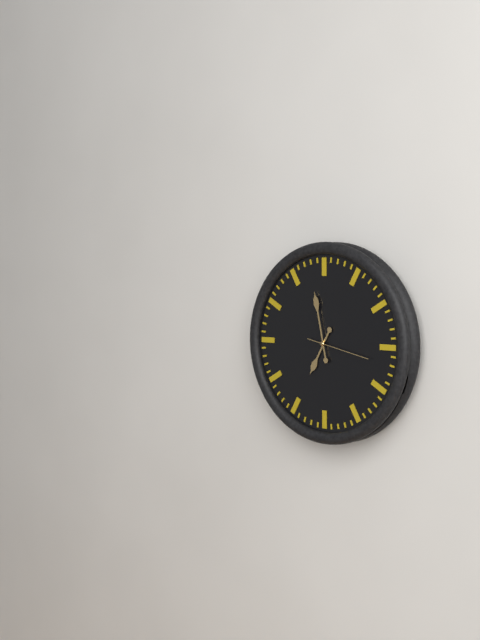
6.58.17
